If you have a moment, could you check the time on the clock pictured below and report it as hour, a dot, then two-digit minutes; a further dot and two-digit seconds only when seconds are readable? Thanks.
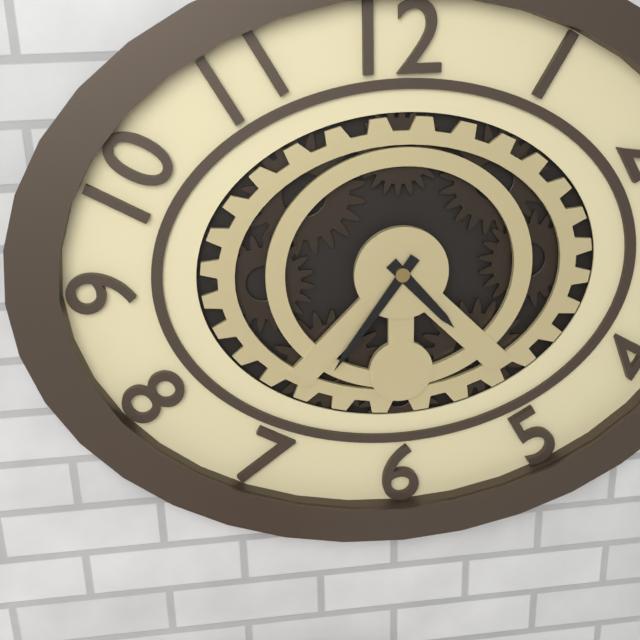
4.36
